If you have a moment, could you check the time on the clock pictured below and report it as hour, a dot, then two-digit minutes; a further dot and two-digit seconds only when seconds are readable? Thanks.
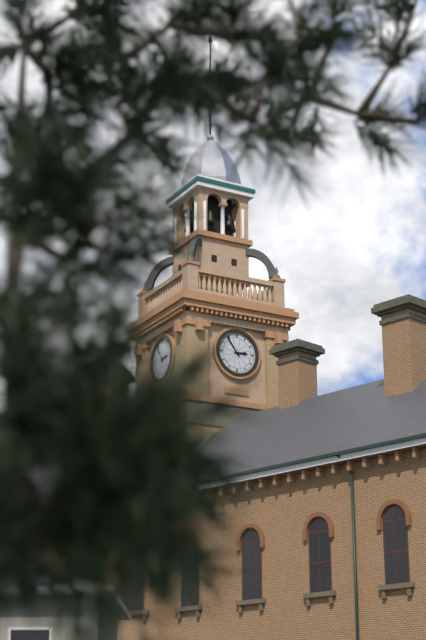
2.54
